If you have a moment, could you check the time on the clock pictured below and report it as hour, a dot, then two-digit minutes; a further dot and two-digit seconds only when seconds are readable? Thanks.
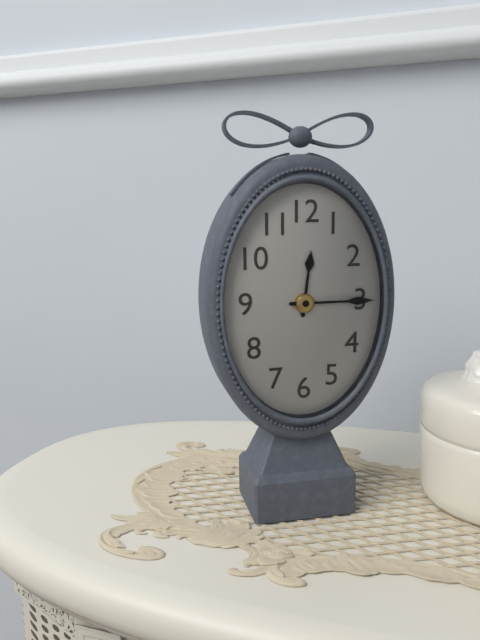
12.15
